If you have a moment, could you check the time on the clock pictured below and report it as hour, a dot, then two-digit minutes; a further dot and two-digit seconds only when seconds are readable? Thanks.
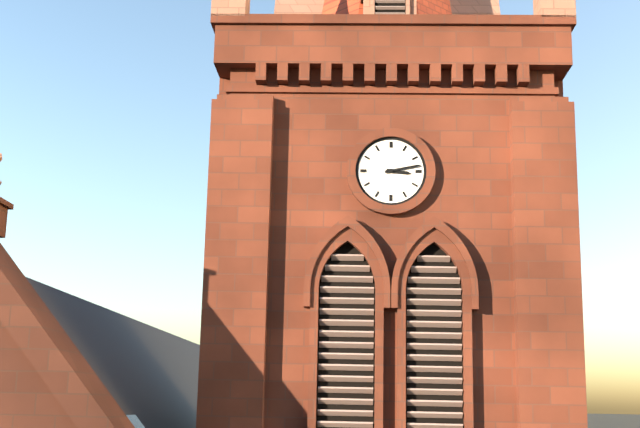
3.13
